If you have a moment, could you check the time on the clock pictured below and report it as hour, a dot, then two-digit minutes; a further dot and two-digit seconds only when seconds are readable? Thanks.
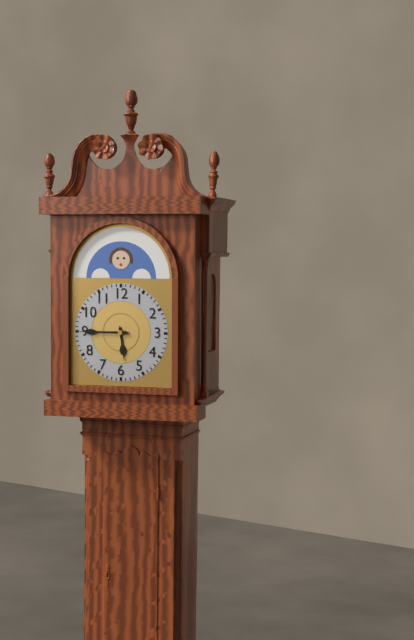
5.45
